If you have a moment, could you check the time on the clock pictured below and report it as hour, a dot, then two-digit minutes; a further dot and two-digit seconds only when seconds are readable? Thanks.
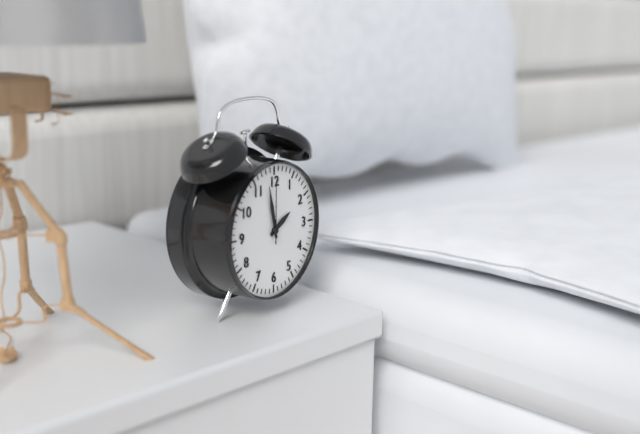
1.58.00
